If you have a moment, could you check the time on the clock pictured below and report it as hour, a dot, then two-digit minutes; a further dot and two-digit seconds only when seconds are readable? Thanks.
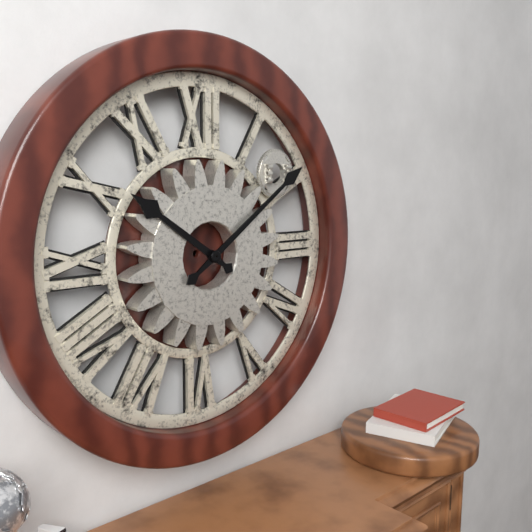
10.09
